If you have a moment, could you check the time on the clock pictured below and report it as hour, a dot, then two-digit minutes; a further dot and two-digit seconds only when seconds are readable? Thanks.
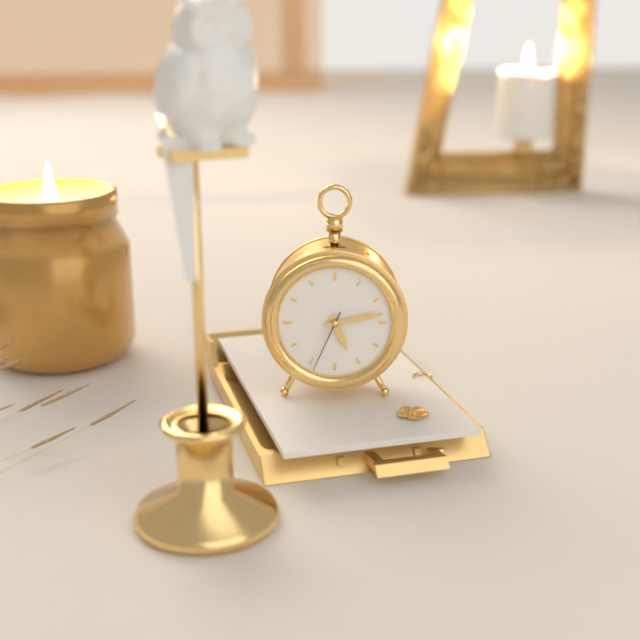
5.13.34
